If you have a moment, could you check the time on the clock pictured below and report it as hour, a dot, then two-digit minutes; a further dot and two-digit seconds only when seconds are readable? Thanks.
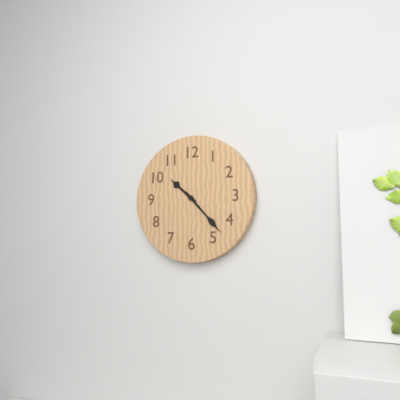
10.23
